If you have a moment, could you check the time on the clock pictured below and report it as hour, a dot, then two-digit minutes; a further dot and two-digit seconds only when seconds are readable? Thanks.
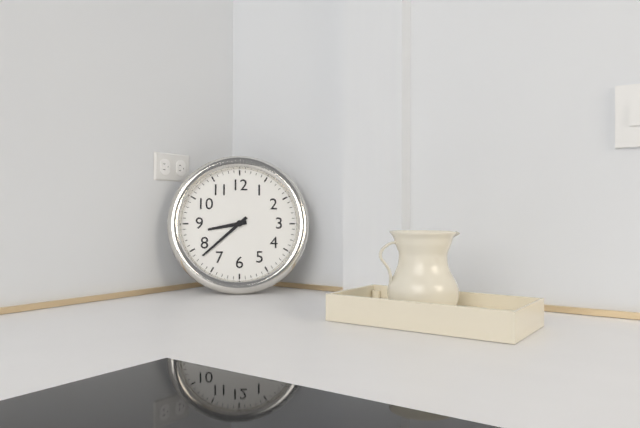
8.38
